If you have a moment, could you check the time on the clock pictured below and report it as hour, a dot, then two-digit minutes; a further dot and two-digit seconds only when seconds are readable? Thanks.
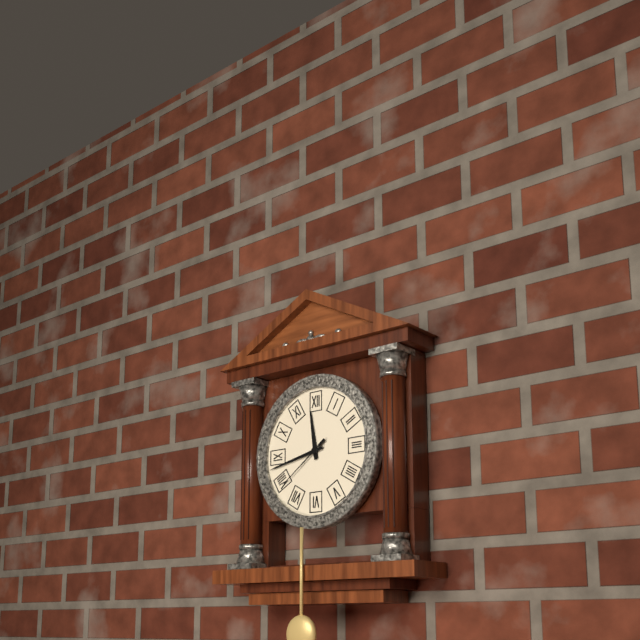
11.43.39
